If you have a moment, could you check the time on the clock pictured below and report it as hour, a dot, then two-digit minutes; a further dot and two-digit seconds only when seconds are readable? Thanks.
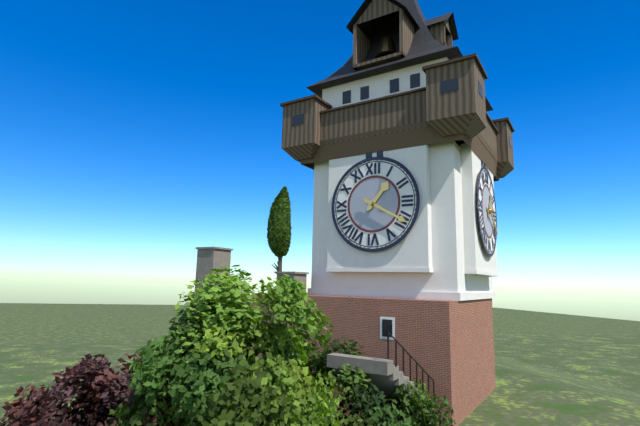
1.20
